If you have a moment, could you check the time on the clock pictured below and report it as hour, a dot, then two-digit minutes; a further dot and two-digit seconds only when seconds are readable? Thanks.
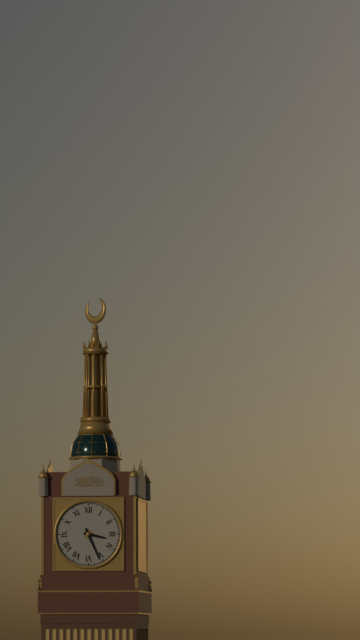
3.26
